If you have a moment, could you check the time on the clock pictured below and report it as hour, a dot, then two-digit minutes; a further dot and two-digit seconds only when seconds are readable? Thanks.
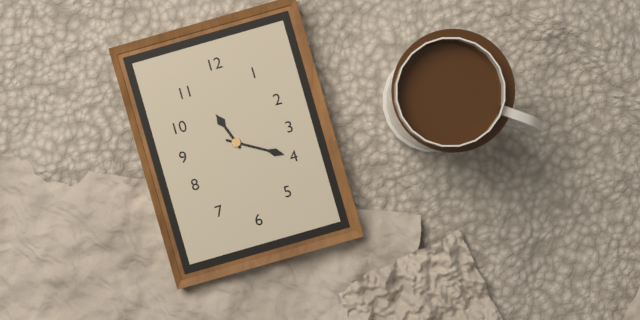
11.20
